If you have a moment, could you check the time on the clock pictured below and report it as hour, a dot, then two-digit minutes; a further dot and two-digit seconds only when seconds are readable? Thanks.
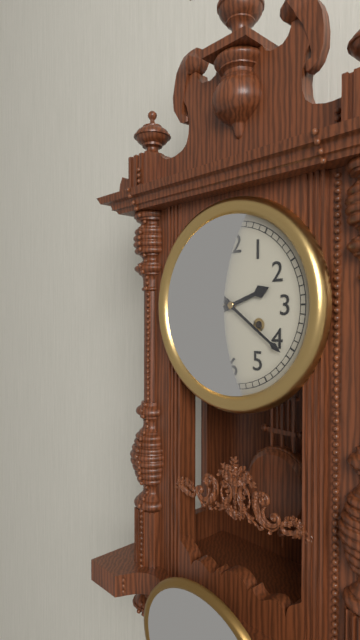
2.21
